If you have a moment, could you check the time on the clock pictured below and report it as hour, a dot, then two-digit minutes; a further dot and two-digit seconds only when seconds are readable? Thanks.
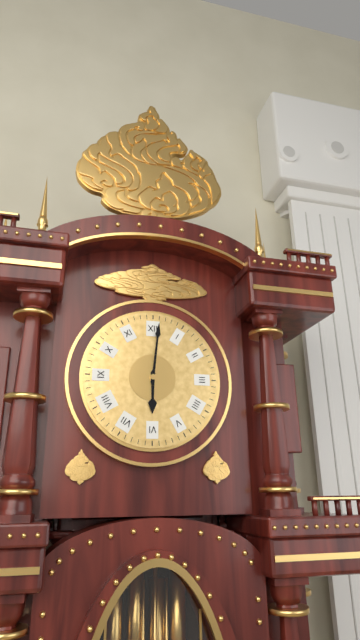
6.01
